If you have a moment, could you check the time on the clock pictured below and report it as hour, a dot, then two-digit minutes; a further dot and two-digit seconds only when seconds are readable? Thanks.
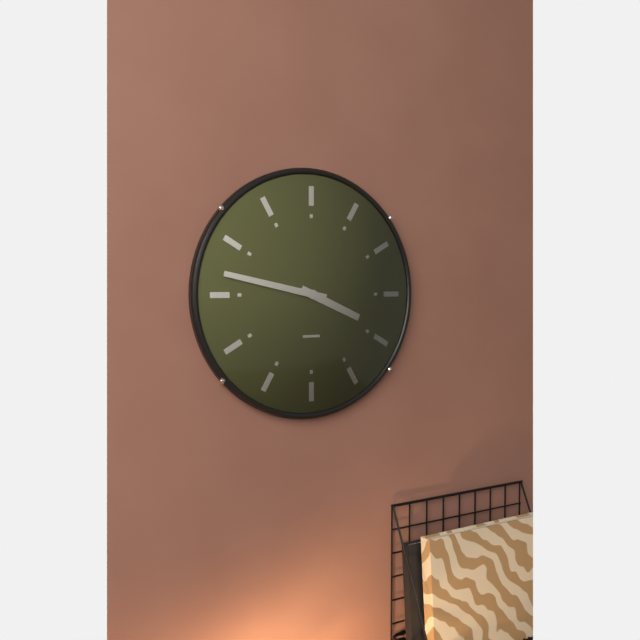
3.47
